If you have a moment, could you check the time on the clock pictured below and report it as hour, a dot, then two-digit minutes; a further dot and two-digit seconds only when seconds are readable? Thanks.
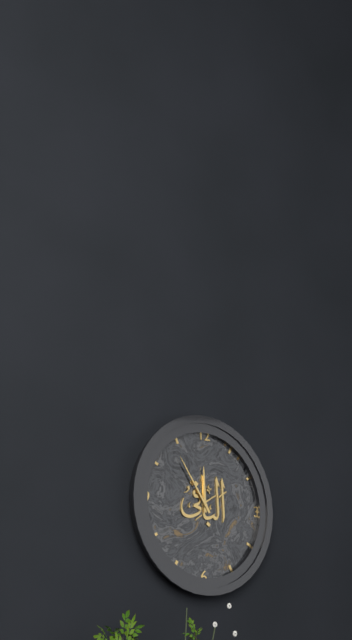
11.54
